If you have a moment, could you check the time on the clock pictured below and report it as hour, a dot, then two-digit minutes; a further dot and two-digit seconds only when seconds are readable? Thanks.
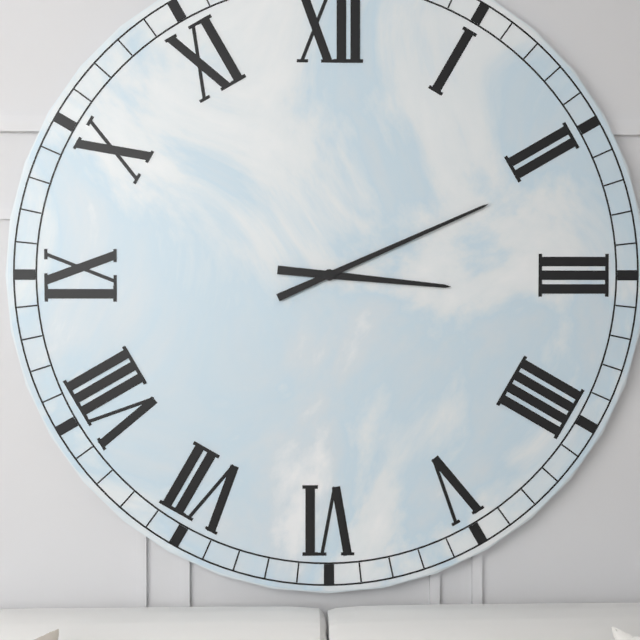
3.11
